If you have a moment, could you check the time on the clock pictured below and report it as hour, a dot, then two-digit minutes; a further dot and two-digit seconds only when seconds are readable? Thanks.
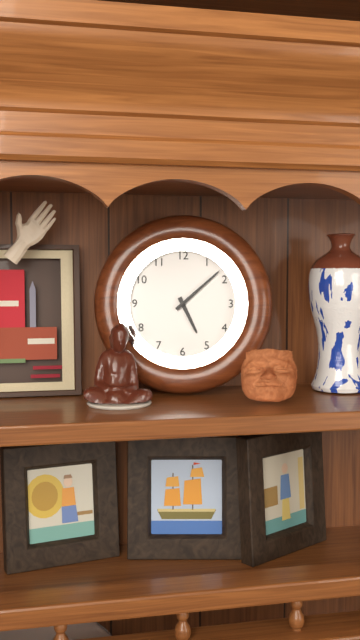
5.08
